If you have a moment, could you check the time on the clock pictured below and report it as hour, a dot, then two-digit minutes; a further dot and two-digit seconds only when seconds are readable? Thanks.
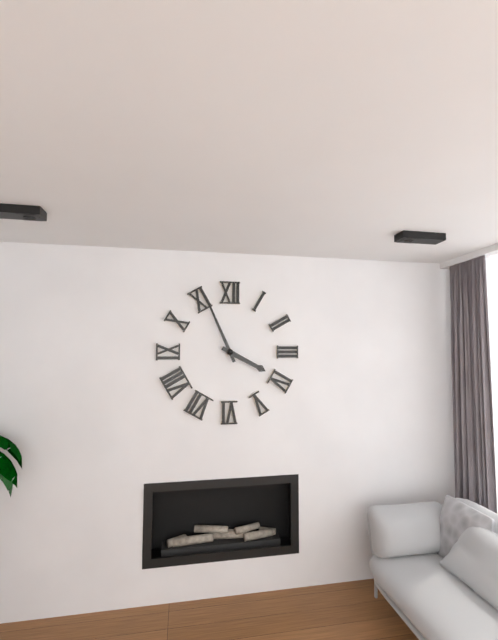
3.56
